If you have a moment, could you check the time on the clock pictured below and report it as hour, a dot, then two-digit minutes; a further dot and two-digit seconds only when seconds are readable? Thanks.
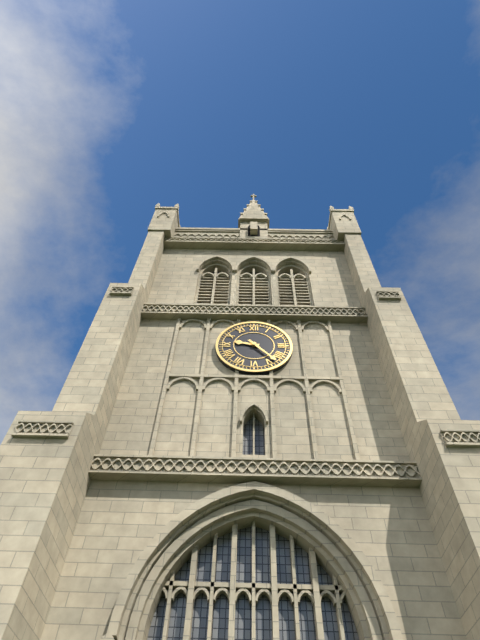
9.23
